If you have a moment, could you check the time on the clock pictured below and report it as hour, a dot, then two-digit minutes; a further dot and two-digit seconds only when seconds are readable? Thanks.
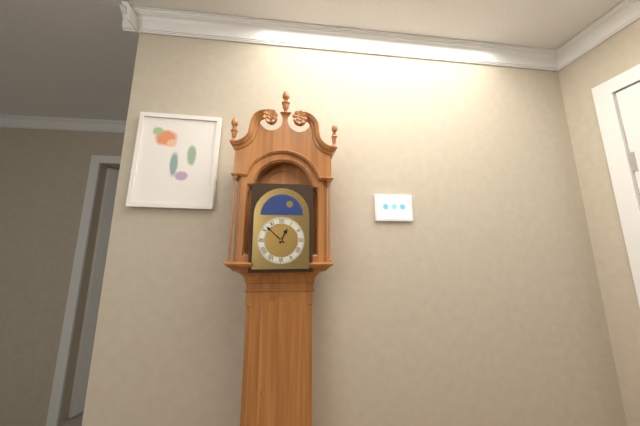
12.52
